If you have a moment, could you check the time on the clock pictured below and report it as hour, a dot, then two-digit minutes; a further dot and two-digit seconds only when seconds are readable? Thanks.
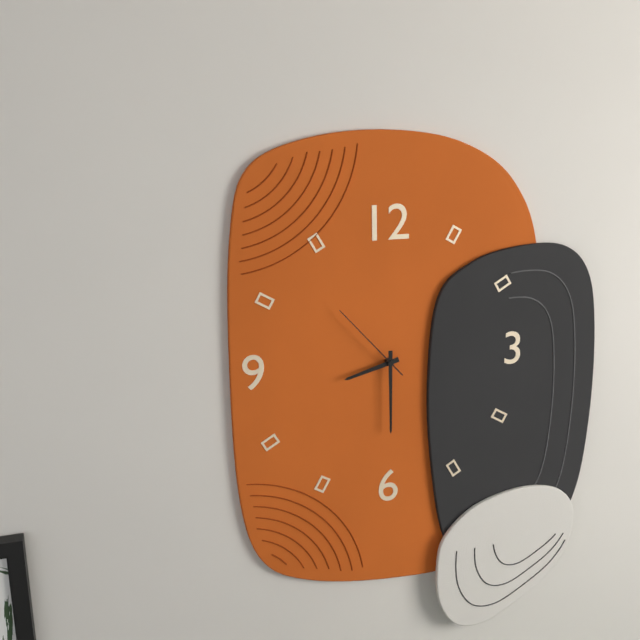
8.30.53
